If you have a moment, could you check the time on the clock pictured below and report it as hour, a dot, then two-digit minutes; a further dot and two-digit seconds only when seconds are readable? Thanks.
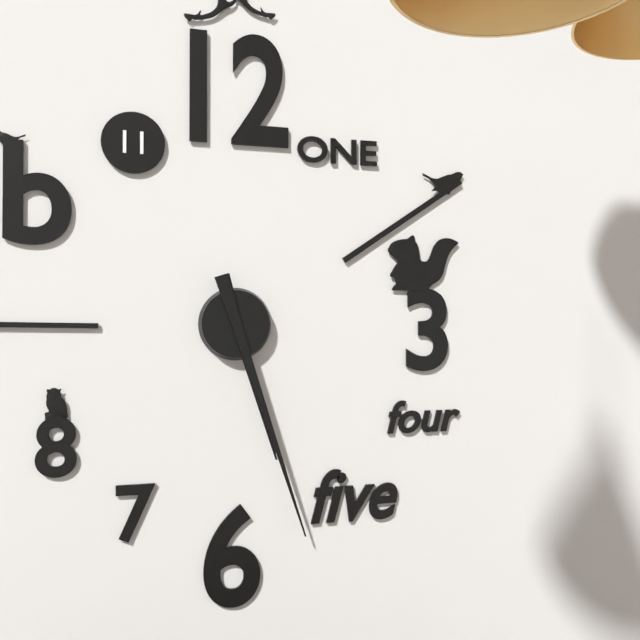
5.27
